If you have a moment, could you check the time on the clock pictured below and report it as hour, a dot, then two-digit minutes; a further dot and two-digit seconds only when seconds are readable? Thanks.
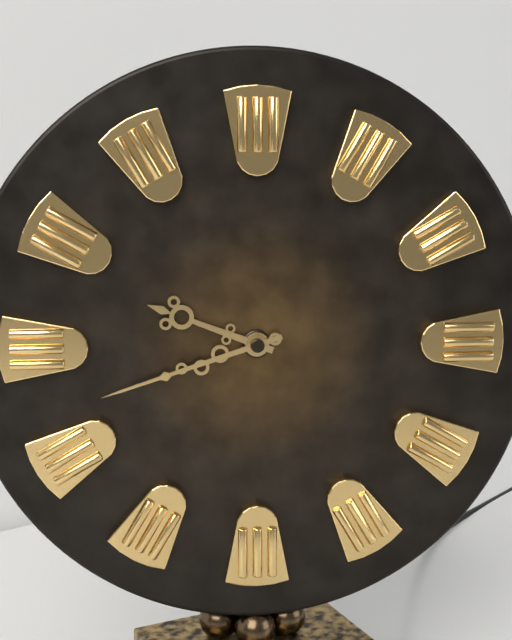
9.42
